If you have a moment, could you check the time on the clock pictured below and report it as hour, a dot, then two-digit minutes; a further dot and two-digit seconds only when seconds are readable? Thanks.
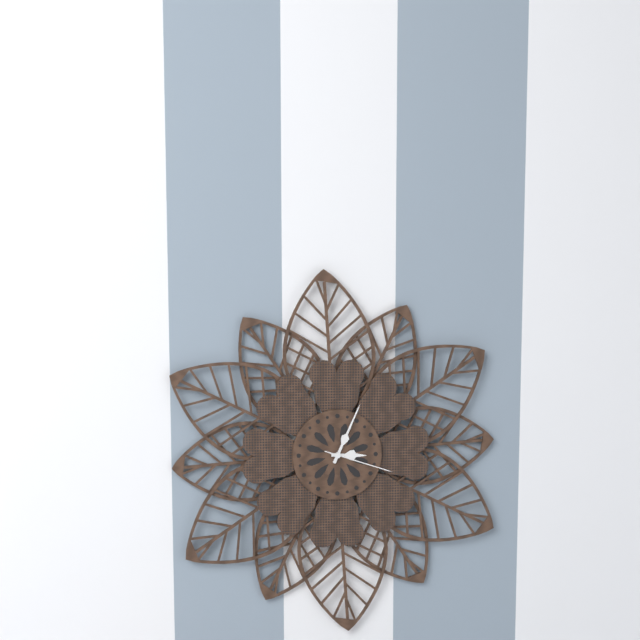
3.04.18
